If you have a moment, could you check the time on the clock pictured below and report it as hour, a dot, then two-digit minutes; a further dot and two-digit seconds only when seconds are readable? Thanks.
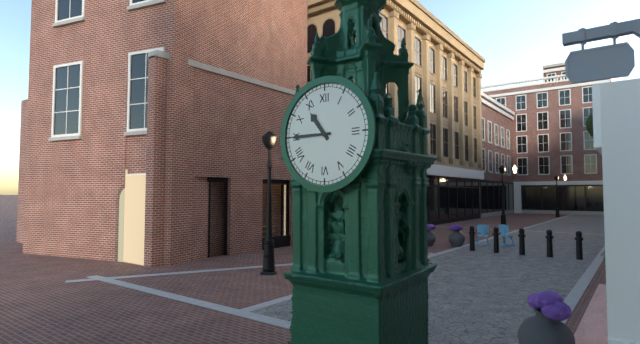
10.45
